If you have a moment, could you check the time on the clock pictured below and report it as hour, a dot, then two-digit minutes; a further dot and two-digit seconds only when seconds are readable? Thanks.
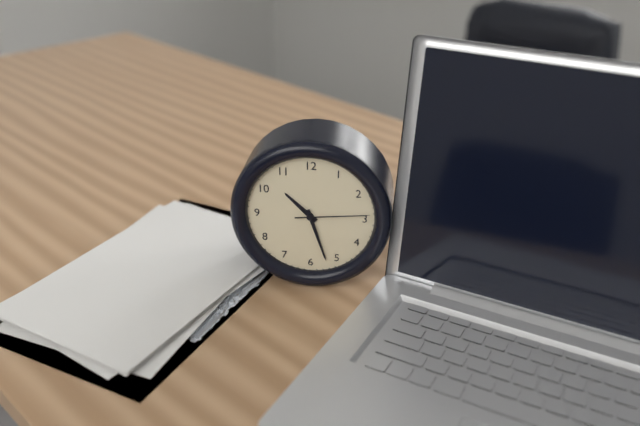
10.27.14
